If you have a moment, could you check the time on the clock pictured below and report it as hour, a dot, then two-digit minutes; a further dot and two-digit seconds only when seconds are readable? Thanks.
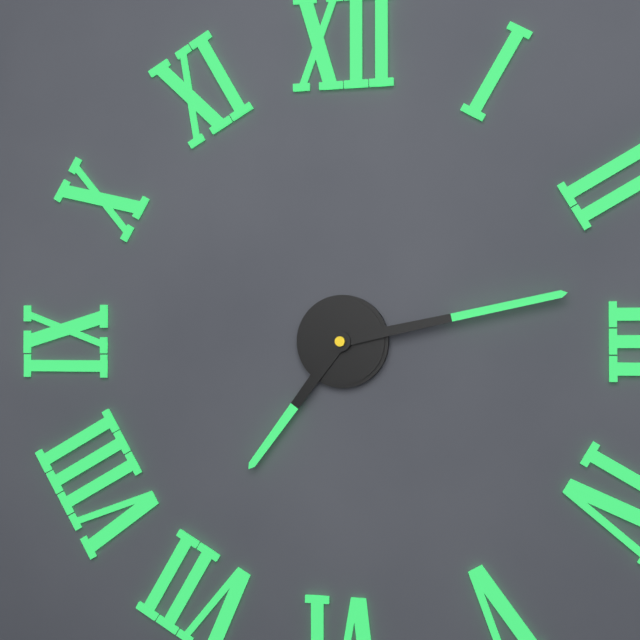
7.13
